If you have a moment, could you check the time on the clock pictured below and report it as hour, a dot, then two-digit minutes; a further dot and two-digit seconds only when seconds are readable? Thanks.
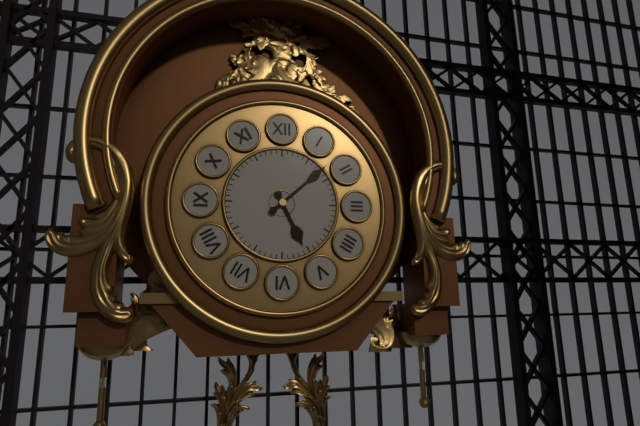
5.08
